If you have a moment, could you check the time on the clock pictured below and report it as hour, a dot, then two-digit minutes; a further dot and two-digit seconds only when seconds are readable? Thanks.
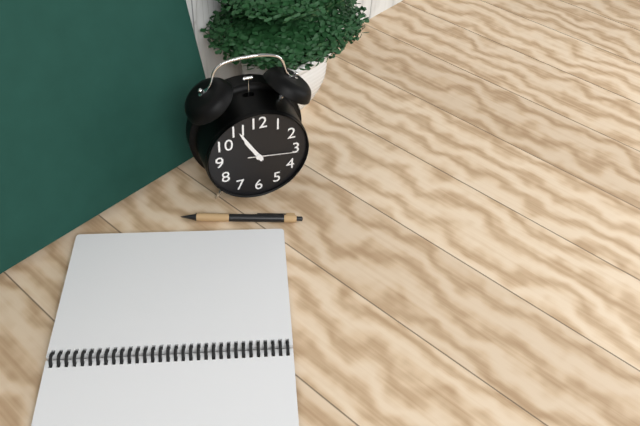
10.55
